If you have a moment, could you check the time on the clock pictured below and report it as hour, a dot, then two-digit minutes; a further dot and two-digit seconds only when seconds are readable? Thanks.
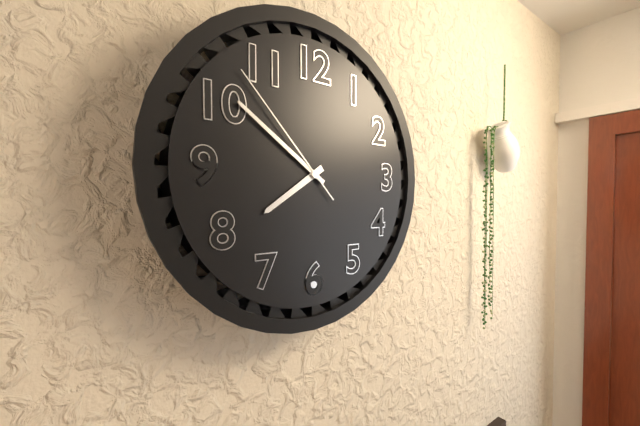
7.51.53
